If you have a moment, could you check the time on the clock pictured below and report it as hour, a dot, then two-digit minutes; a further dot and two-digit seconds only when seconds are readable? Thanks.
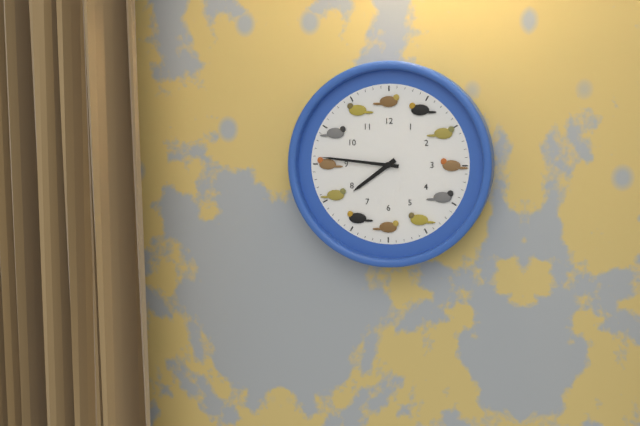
7.46
